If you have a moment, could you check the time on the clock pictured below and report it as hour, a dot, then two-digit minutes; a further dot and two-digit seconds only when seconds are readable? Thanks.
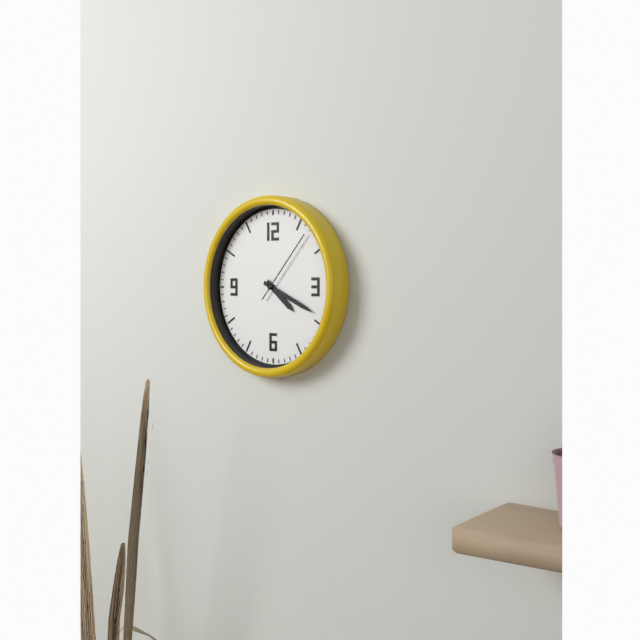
4.19.07
